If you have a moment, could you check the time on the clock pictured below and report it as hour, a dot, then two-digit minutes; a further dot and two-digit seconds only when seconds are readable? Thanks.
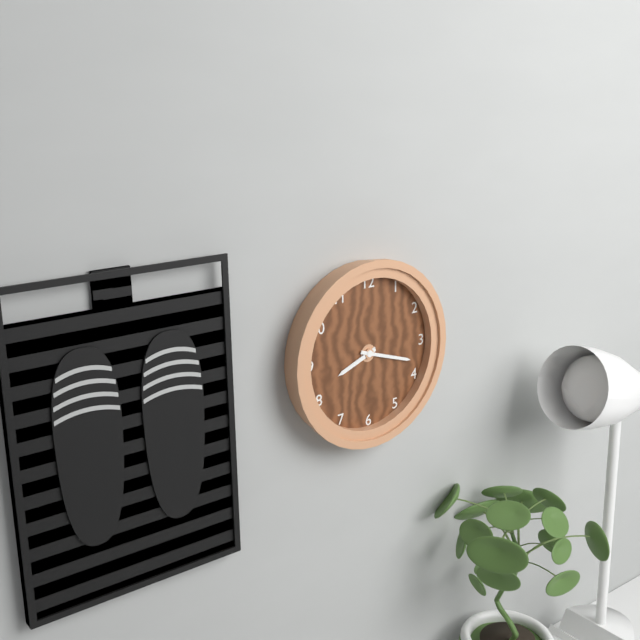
8.18
